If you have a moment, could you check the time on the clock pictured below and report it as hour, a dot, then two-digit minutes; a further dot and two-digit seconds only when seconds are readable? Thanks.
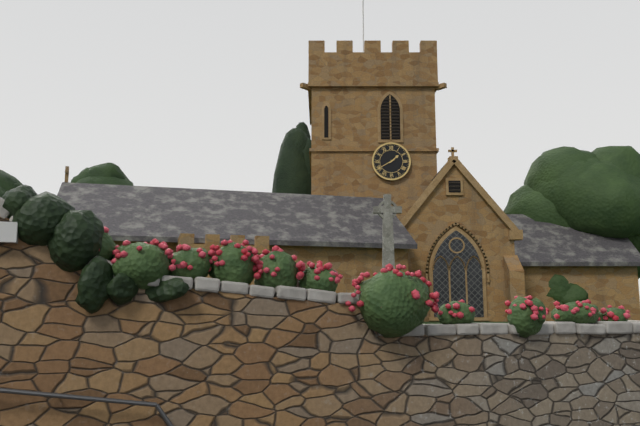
1.40
